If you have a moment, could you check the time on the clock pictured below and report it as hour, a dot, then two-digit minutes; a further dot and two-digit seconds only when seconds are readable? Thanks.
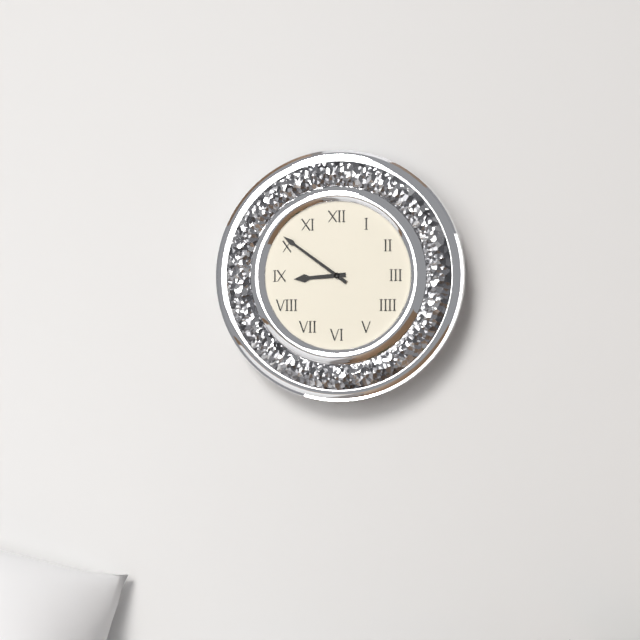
8.51
